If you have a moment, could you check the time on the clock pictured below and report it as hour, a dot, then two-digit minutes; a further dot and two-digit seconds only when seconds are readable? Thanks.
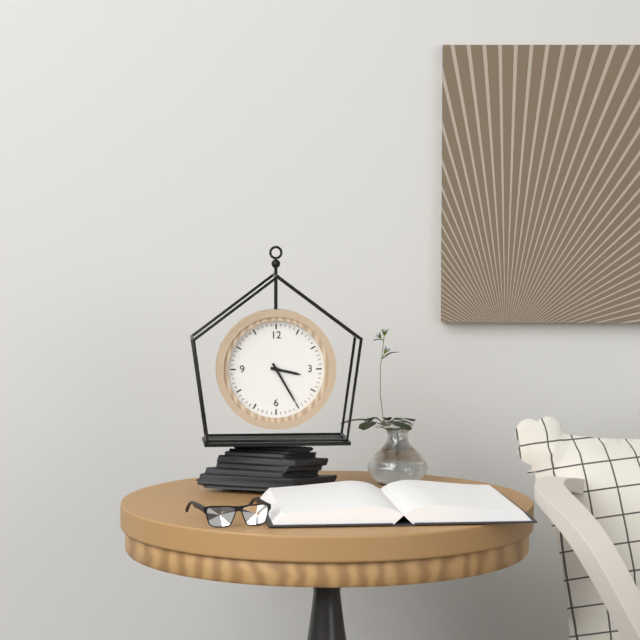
3.25
